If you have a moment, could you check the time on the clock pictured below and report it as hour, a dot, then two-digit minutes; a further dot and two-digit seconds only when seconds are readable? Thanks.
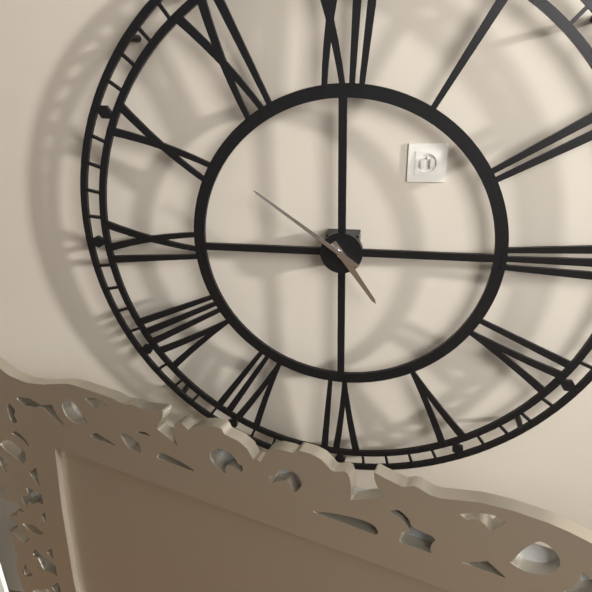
4.51
